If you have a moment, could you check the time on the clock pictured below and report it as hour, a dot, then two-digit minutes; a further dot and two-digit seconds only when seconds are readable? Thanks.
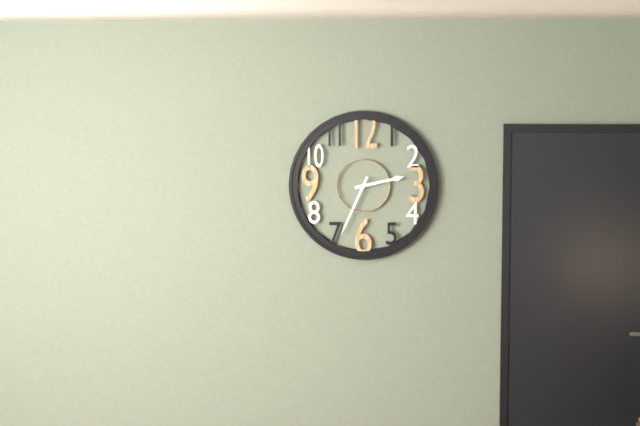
2.34
